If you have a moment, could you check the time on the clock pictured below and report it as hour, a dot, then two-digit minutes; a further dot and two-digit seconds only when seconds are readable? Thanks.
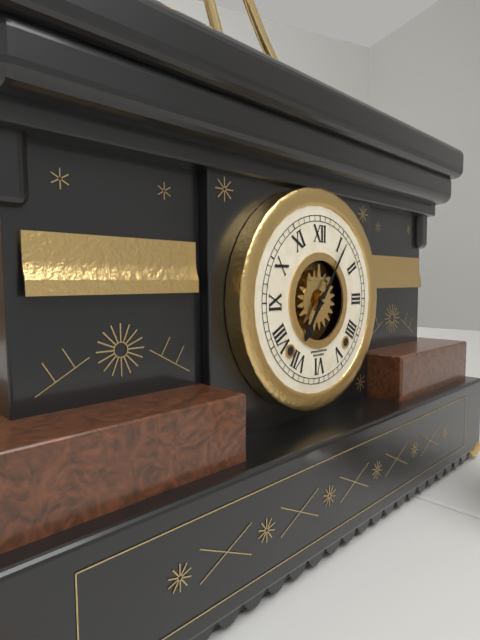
7.06
